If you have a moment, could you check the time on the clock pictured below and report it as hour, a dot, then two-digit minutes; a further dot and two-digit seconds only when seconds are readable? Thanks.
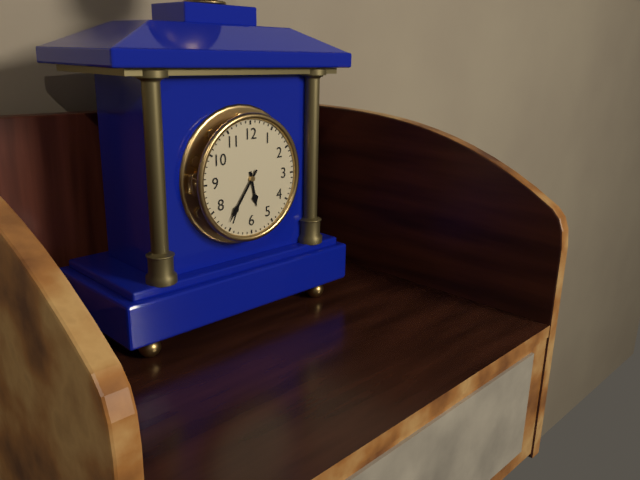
5.36
